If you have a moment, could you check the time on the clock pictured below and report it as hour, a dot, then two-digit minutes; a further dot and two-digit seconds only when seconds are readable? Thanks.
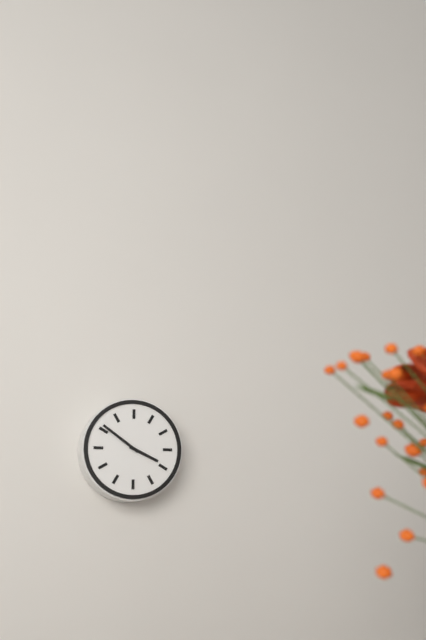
3.51
